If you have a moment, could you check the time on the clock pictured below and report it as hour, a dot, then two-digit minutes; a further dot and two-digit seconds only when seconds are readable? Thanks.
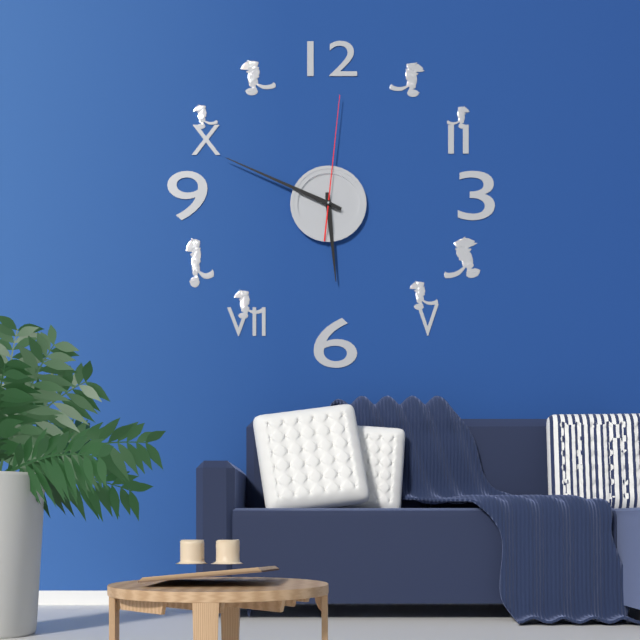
5.49.01
